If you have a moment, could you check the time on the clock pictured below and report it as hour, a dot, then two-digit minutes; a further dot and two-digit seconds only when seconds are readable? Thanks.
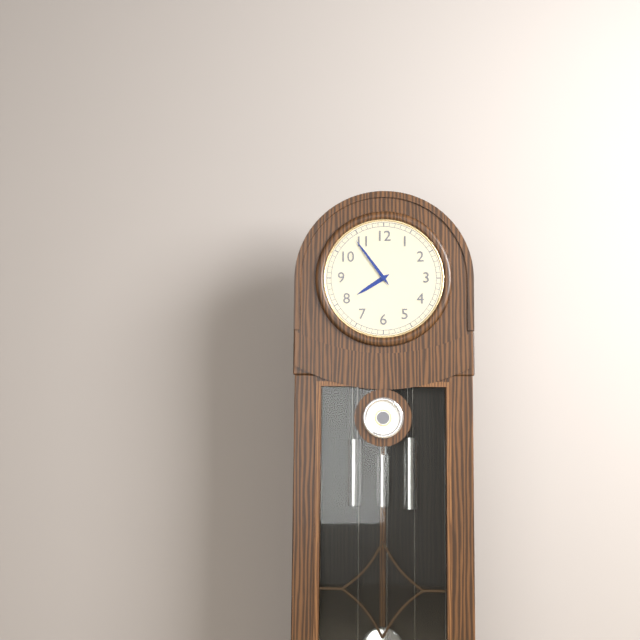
7.54
